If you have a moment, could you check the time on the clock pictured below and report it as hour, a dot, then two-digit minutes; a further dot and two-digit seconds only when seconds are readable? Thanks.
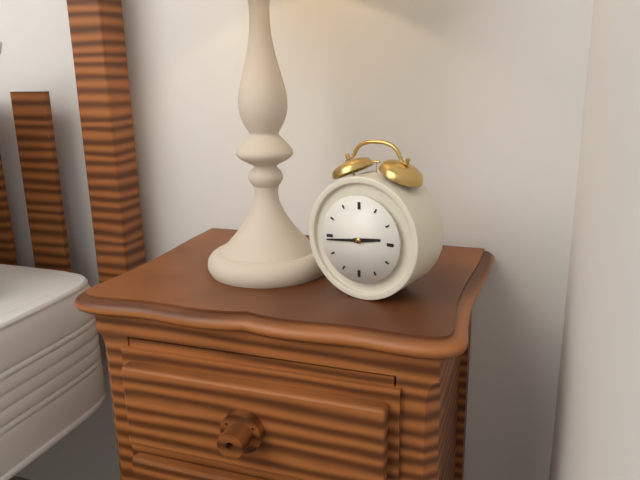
2.44
